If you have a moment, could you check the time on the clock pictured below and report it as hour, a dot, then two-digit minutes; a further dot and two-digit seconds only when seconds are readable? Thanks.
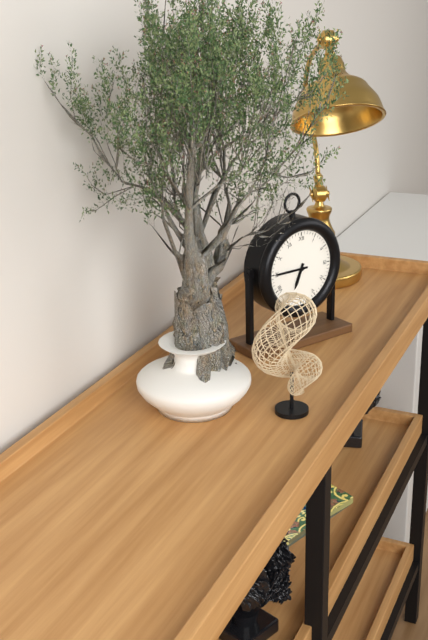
6.45
